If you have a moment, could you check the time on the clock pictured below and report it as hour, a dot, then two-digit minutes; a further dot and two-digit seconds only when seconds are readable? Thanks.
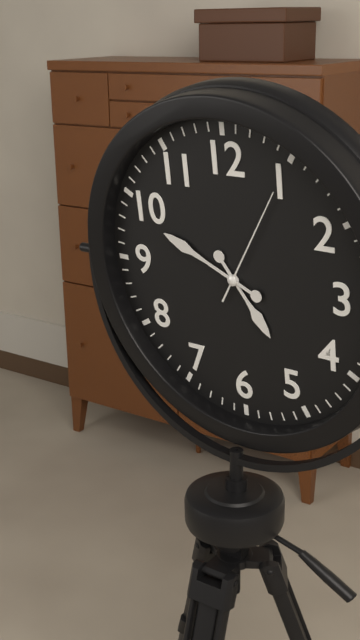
4.49.05
